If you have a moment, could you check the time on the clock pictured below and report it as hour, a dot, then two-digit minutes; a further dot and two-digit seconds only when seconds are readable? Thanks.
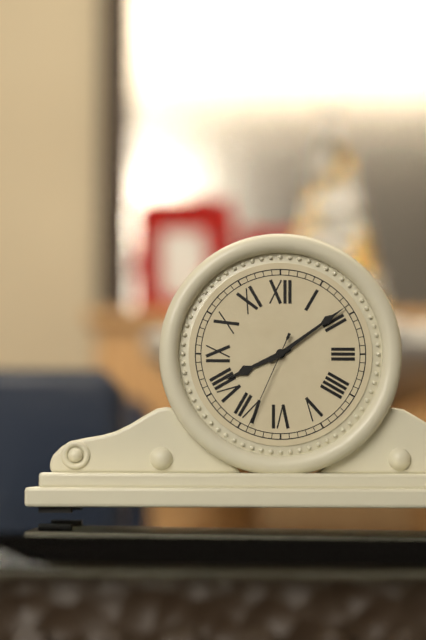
8.09.34
